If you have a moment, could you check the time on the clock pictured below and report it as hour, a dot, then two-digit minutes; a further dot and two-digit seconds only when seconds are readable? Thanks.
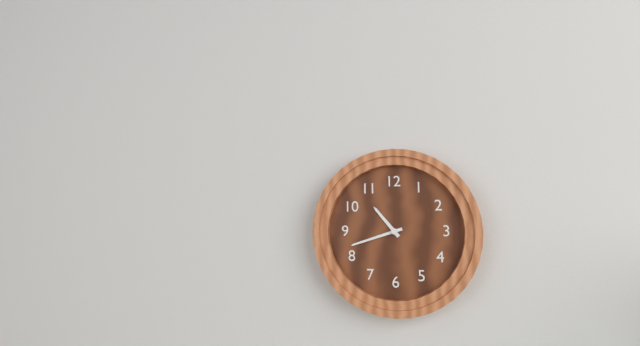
10.42
